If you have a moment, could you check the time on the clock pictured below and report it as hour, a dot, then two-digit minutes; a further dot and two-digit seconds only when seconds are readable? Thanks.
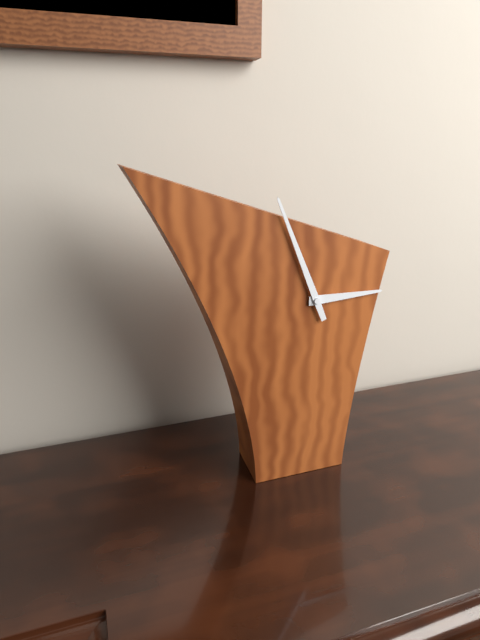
2.56
